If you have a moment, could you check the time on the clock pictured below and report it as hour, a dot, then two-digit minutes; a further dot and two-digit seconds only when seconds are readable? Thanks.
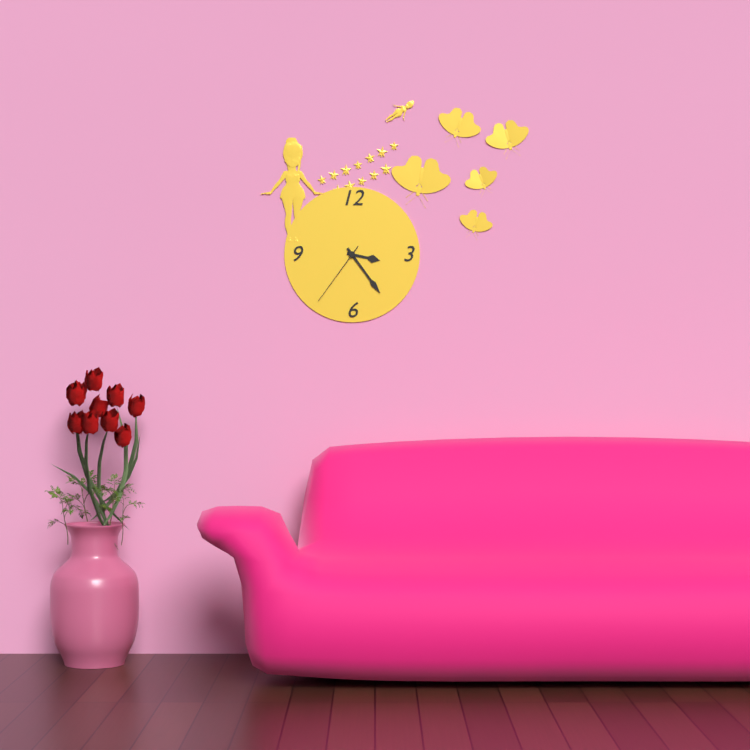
3.24.36
